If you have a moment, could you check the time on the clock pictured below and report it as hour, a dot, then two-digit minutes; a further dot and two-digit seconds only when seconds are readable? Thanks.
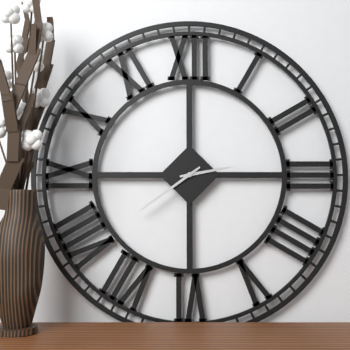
2.39
